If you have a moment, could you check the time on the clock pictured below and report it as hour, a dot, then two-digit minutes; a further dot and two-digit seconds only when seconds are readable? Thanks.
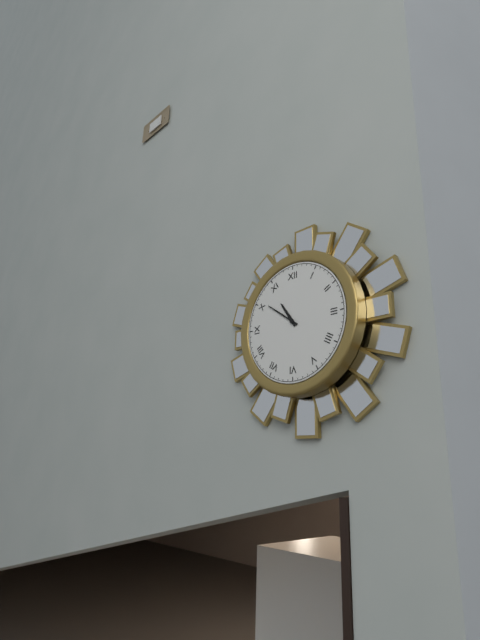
10.51
